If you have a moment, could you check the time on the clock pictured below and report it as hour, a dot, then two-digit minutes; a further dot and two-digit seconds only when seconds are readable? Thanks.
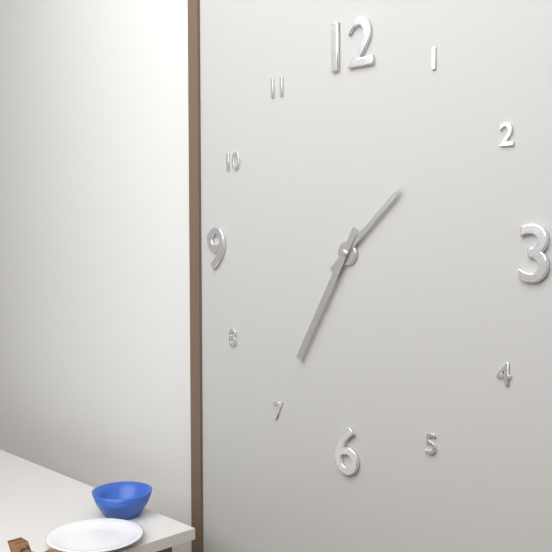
1.35
